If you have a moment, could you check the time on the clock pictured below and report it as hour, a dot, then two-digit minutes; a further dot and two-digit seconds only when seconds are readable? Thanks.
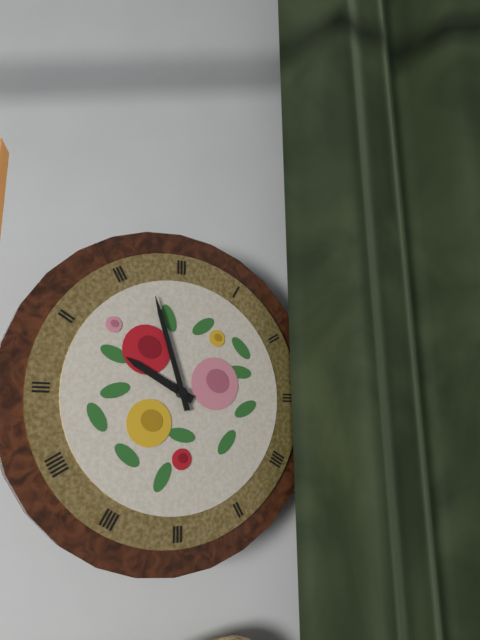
9.57
